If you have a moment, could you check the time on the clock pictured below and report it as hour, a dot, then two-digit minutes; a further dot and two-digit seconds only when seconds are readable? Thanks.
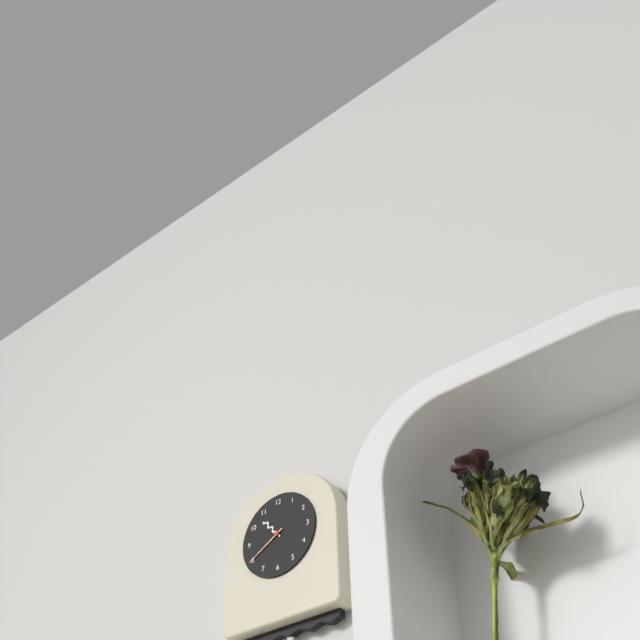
10.40
